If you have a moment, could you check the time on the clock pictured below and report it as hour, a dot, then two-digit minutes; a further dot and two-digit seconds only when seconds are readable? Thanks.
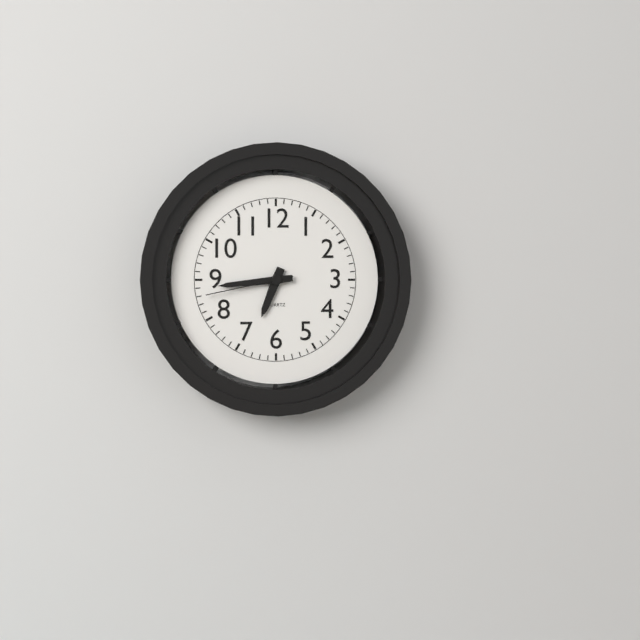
6.44.43
